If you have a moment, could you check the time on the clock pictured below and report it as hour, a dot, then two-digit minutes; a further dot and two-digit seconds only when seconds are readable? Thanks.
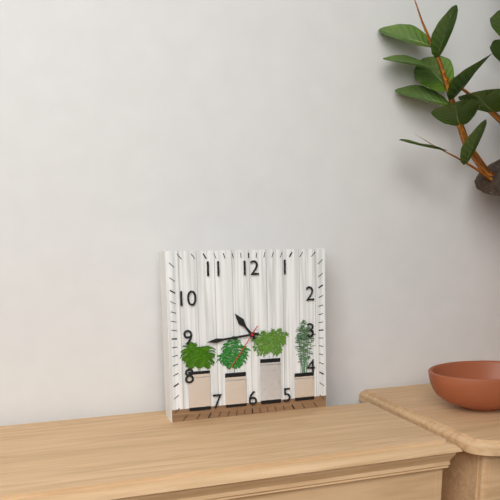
10.44.36
